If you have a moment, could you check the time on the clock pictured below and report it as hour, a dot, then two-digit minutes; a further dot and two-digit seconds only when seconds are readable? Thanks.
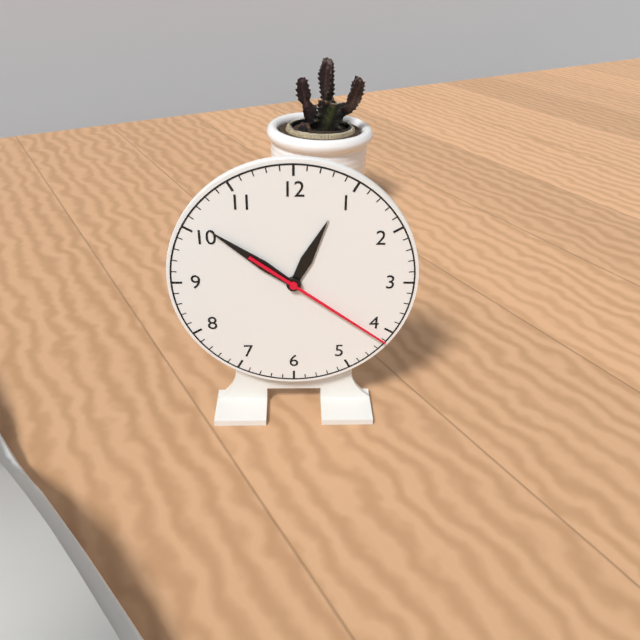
12.51.21
